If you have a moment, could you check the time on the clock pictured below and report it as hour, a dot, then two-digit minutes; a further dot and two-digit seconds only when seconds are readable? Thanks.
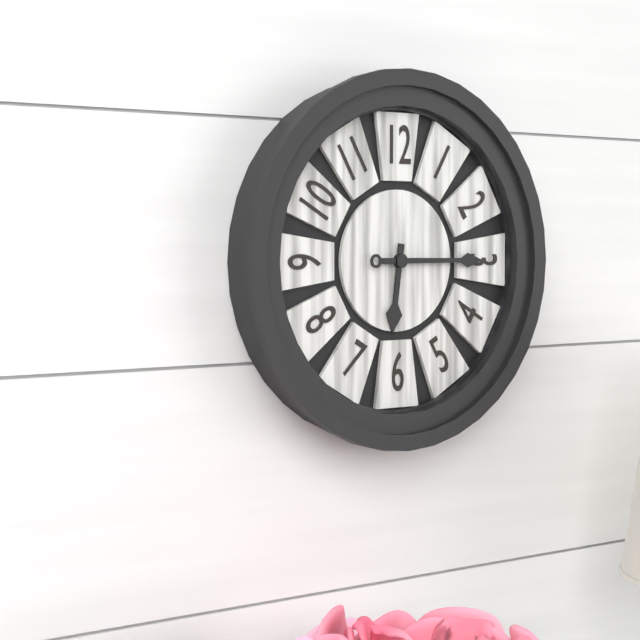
6.15
